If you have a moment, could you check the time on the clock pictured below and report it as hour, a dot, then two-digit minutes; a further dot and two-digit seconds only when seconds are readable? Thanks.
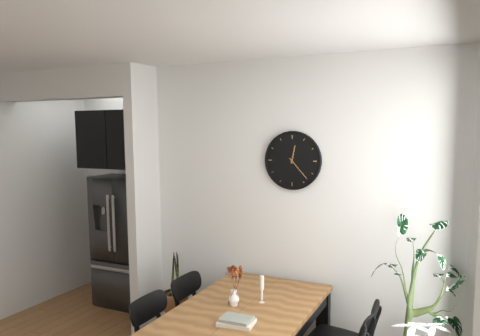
12.23
